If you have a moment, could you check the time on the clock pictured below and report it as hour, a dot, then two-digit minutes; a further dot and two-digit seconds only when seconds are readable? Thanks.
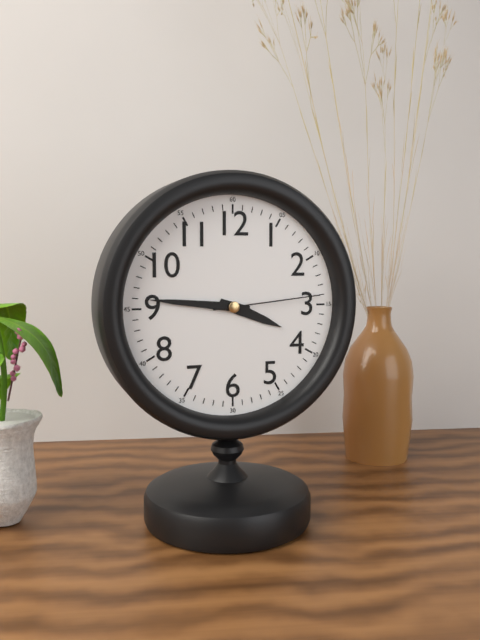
3.46.14
